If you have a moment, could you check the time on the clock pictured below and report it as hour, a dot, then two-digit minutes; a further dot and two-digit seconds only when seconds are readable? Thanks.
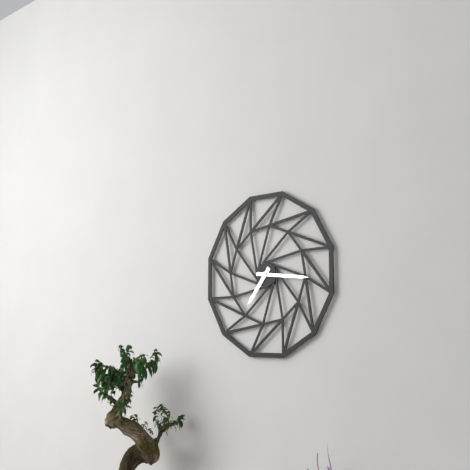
7.16
